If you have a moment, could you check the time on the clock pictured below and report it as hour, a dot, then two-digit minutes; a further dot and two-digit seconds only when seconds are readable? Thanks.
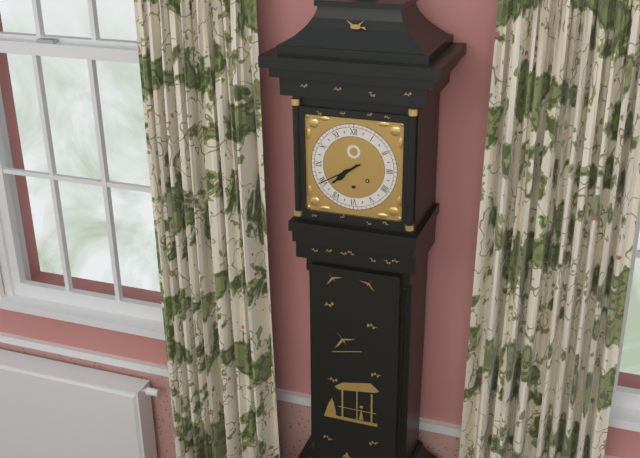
7.40
